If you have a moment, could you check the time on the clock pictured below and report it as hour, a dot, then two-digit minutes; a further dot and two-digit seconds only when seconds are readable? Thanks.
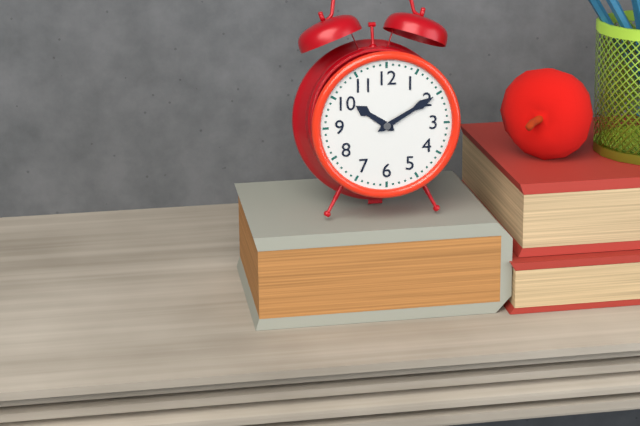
10.10
